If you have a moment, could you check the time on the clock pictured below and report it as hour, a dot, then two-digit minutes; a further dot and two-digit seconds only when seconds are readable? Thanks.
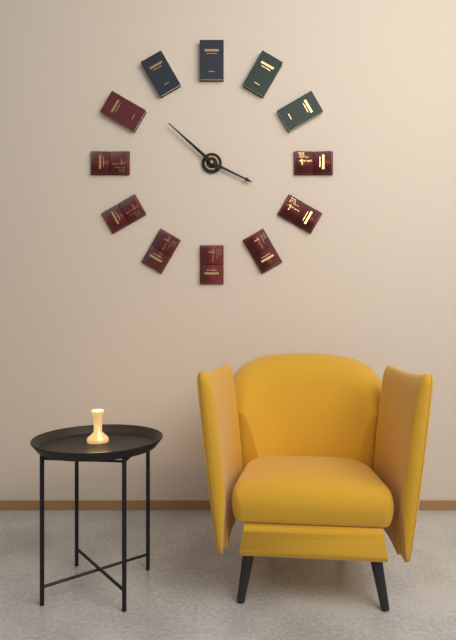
3.52
